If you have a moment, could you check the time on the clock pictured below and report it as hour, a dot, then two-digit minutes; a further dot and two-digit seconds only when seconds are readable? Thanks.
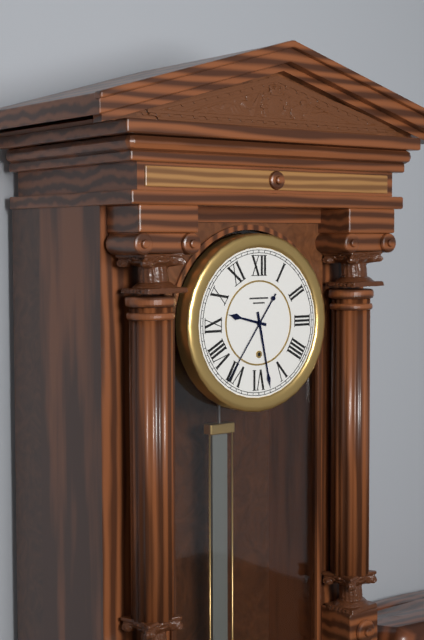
9.28.36
